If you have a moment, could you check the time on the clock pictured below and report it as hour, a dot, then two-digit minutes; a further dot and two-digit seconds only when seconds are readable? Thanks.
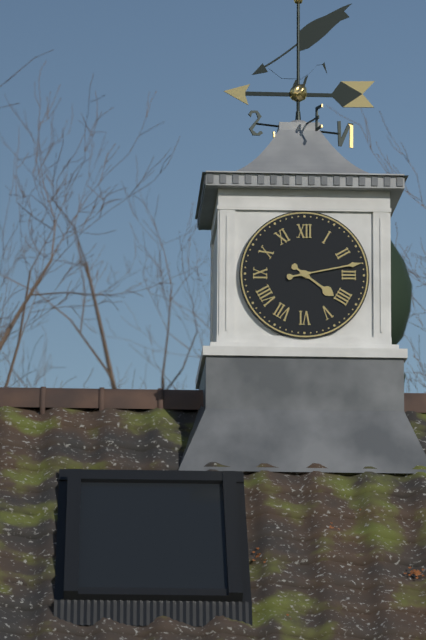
4.13
